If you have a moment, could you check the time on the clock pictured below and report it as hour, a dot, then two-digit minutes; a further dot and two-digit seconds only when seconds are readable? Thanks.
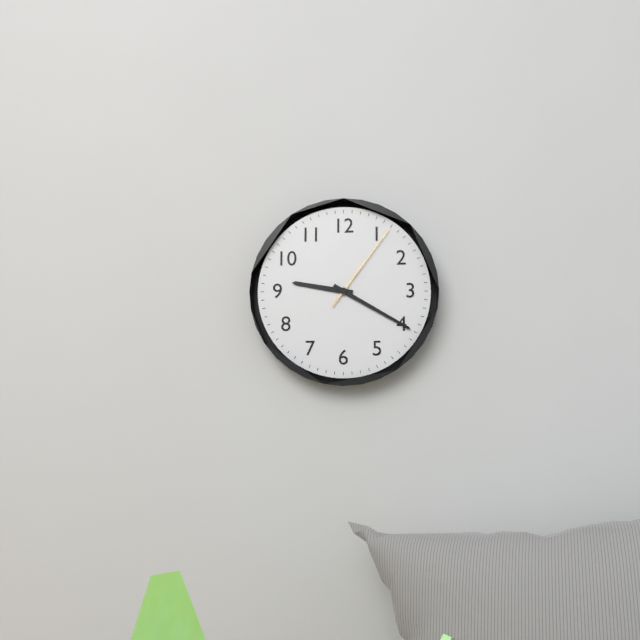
9.20.06
